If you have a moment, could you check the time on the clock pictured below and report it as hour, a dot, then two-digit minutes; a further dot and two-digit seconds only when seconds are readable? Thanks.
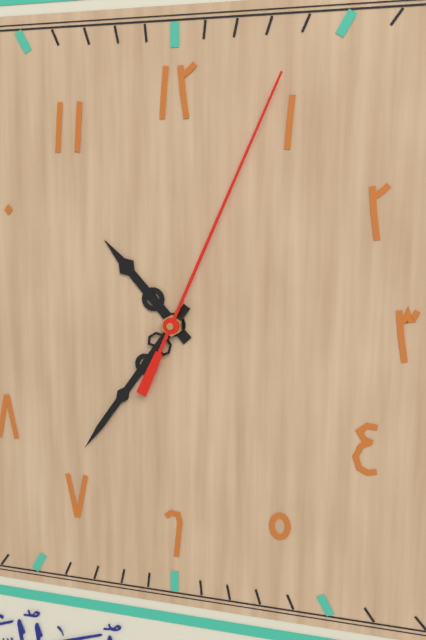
10.36.04
